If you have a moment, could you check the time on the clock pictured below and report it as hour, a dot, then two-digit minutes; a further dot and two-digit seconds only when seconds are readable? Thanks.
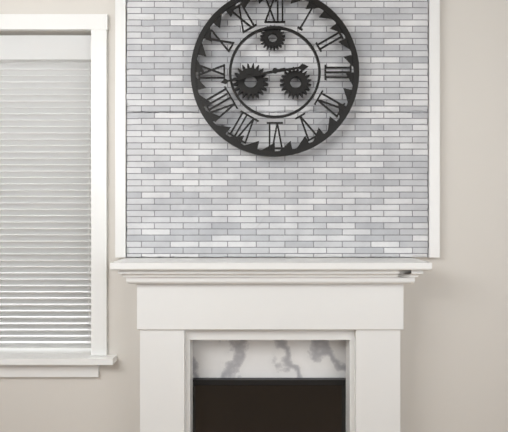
2.43
